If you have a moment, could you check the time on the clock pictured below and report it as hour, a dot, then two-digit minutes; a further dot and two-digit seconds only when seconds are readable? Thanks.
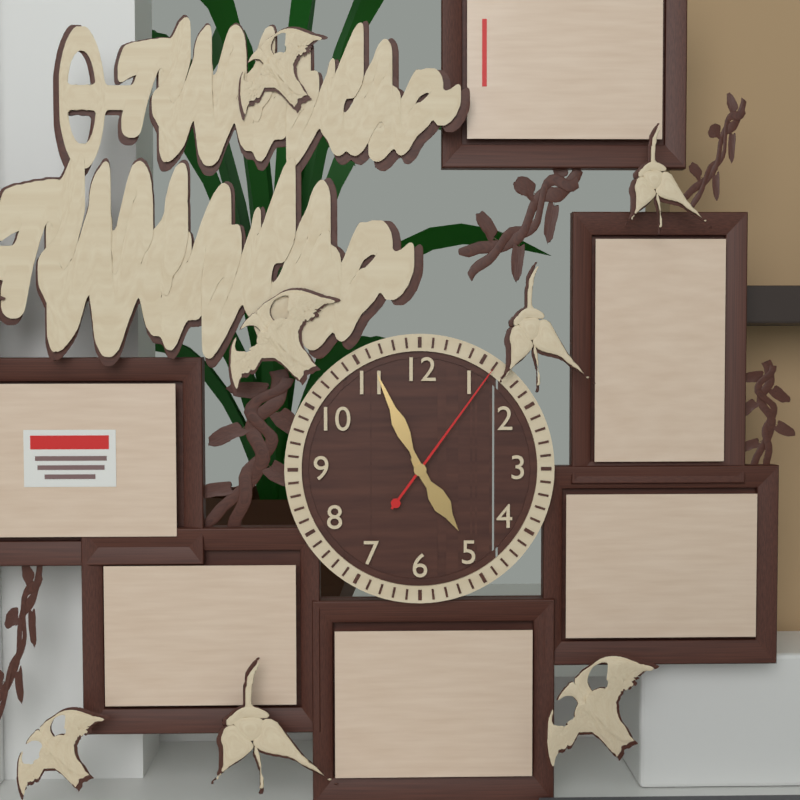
4.56.06
